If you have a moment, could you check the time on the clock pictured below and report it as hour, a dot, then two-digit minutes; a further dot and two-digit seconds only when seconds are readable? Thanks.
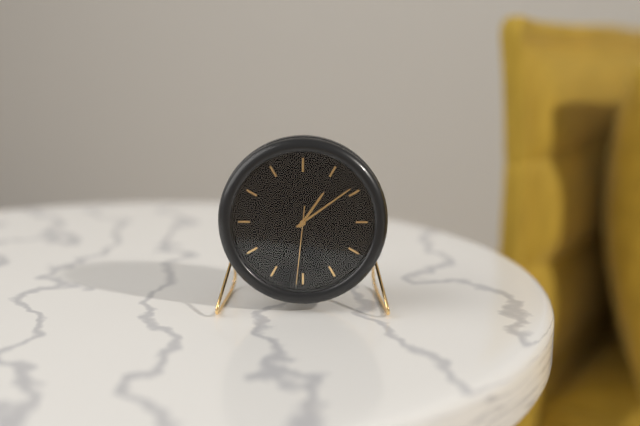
1.09.31
